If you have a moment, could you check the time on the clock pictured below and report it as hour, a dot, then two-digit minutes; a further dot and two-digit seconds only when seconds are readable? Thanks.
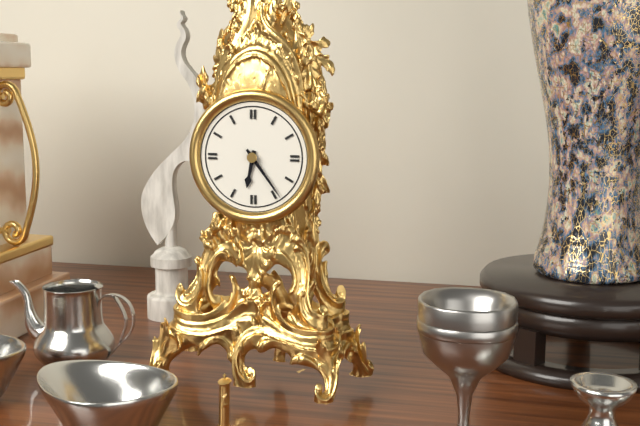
6.24
